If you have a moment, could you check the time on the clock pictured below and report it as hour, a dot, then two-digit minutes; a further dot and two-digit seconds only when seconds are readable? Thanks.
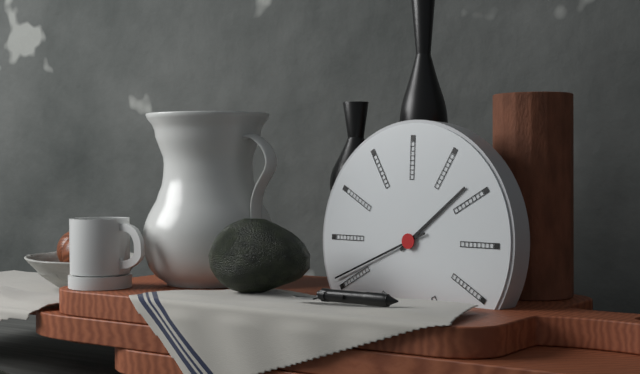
1.41
